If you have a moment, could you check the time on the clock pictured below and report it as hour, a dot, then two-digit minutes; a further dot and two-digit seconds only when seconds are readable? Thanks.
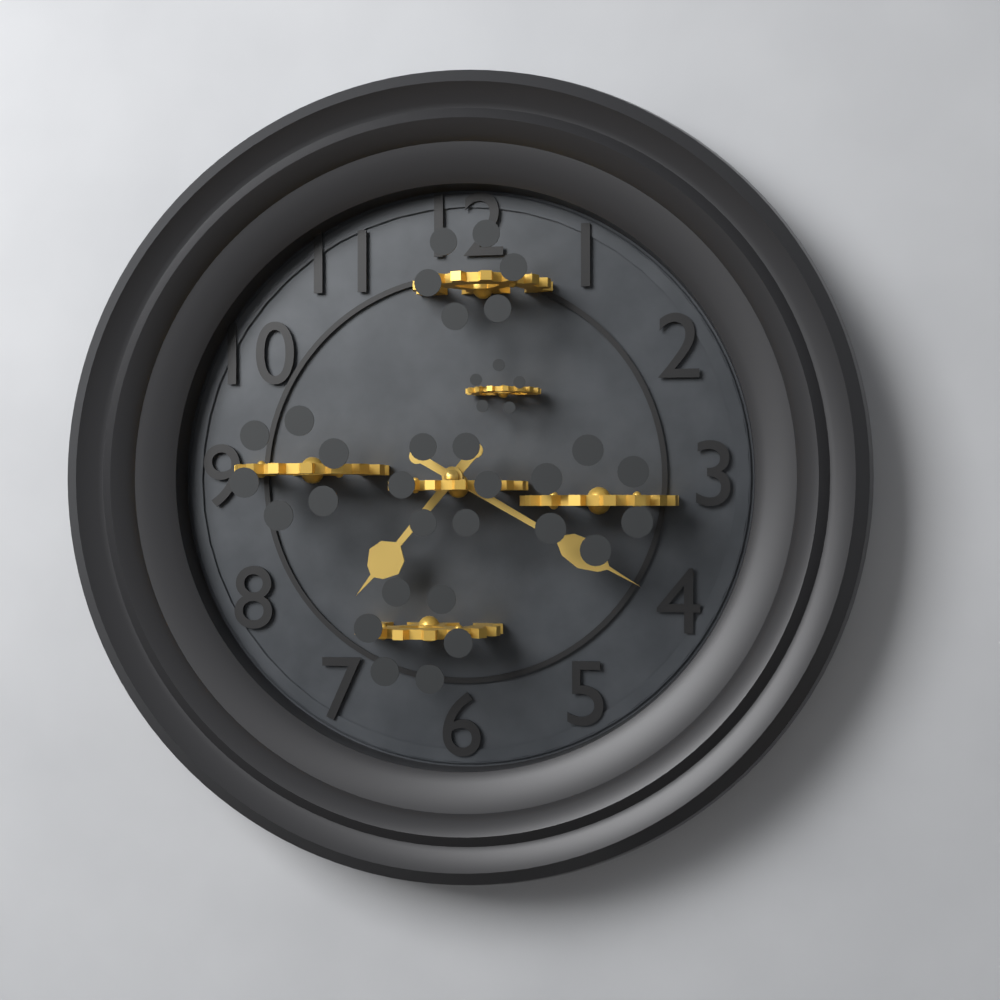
7.20
